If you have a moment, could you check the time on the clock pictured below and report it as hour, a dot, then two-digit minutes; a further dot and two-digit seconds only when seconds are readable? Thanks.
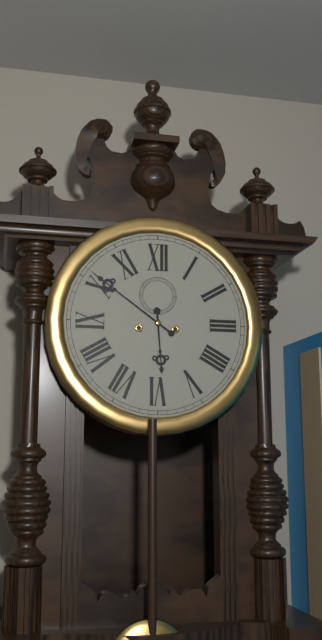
5.51
